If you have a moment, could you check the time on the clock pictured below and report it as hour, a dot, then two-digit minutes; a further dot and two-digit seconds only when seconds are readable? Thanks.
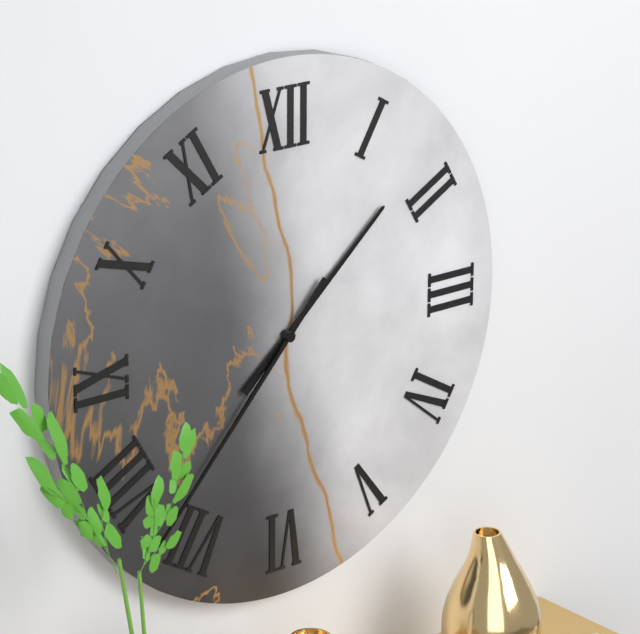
1.37
